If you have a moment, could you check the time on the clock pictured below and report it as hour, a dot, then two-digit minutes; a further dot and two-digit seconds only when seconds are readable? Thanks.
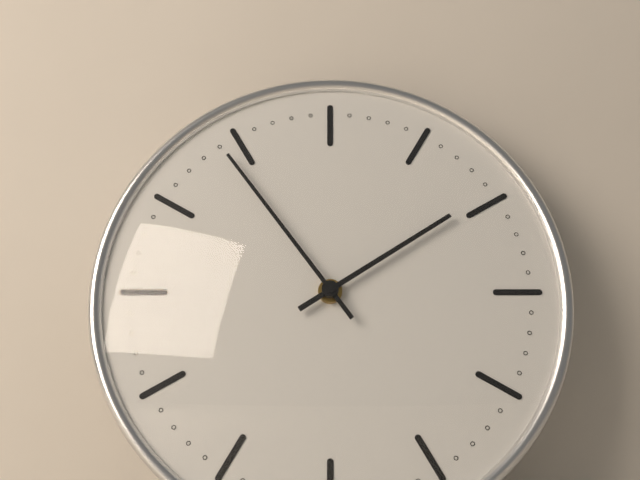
1.54
